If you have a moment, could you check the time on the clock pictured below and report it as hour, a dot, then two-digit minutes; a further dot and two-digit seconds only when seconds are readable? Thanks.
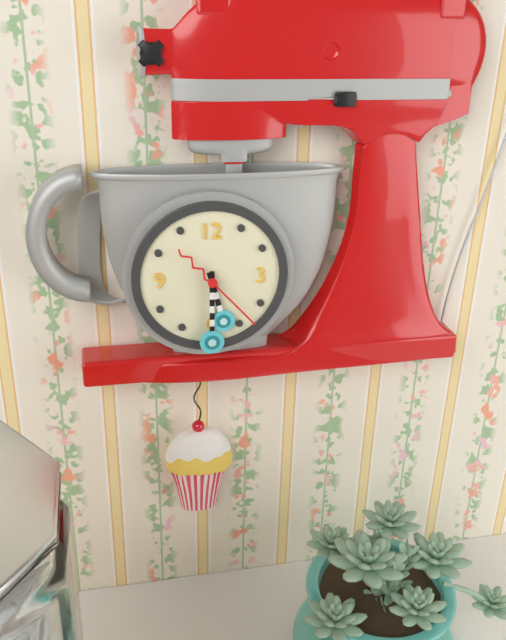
5.30.23
